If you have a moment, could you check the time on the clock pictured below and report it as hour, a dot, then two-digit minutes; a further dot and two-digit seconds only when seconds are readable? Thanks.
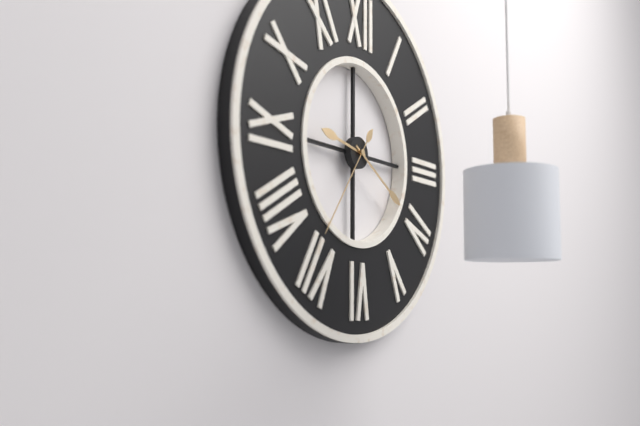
9.20.36
